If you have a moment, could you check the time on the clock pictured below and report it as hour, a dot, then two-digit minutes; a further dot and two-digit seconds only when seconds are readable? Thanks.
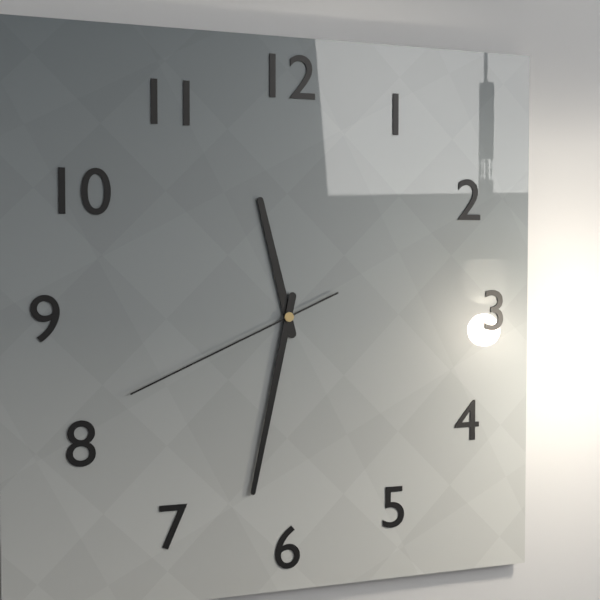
11.32.41
